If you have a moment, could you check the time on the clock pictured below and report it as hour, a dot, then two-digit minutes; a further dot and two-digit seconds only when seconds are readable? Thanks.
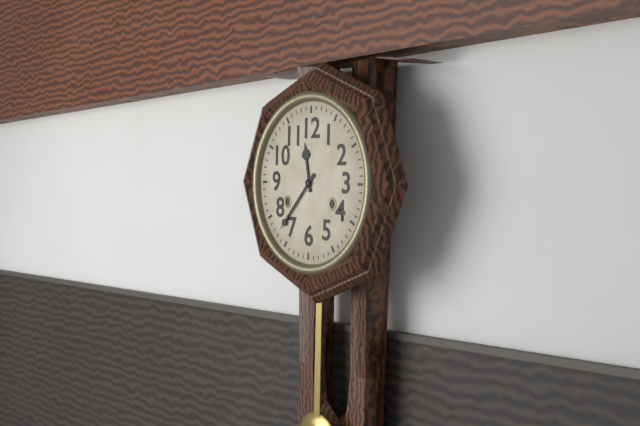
11.37
